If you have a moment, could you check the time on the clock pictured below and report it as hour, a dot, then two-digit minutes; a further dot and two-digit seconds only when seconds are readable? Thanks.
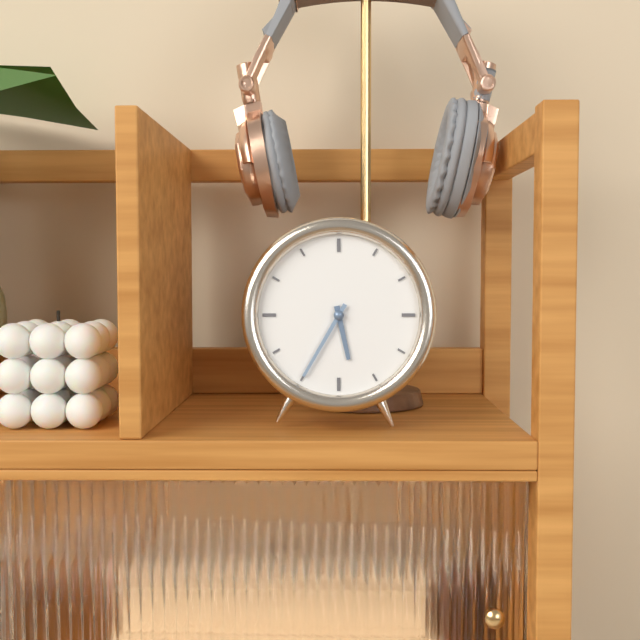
5.35
